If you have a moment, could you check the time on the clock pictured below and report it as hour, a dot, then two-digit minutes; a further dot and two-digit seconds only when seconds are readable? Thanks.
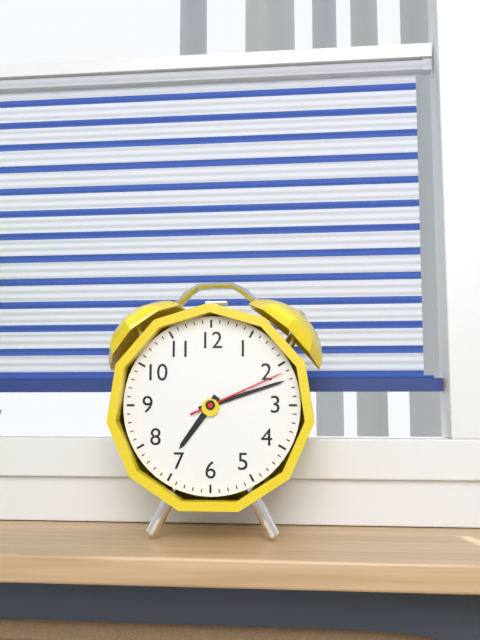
7.12.11
